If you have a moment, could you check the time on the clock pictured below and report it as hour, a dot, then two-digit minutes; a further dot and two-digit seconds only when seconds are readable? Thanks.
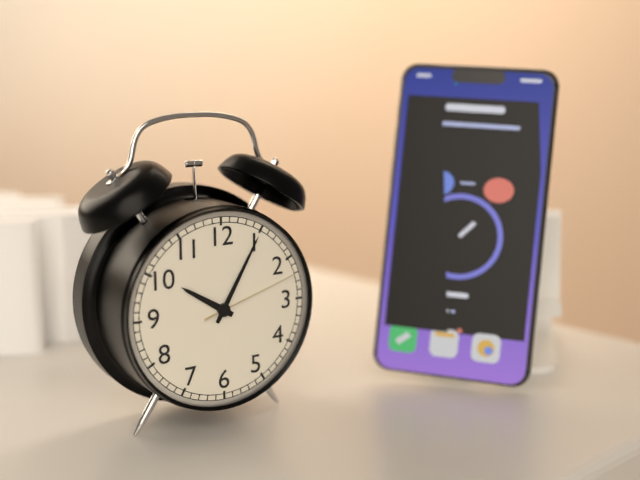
10.05.12
